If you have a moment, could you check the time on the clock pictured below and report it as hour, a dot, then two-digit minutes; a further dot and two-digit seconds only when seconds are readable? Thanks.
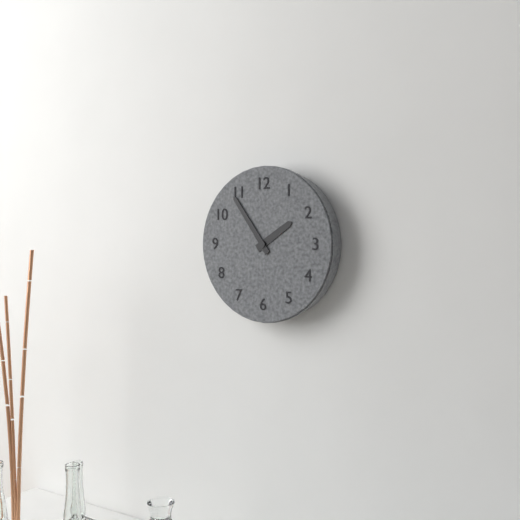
1.54
